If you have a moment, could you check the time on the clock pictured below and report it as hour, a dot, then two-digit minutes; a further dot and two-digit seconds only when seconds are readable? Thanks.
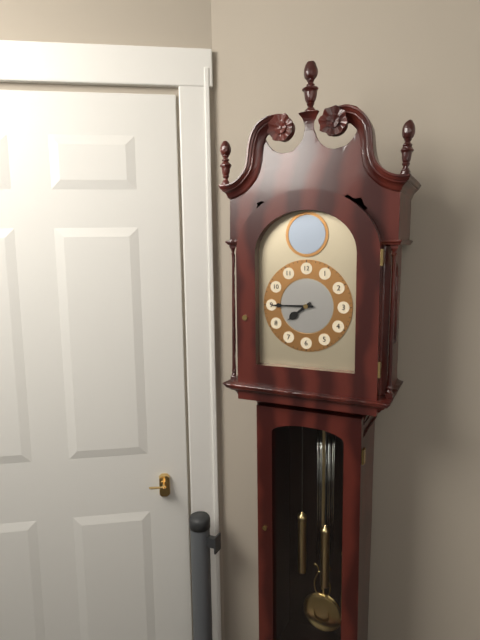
7.45
